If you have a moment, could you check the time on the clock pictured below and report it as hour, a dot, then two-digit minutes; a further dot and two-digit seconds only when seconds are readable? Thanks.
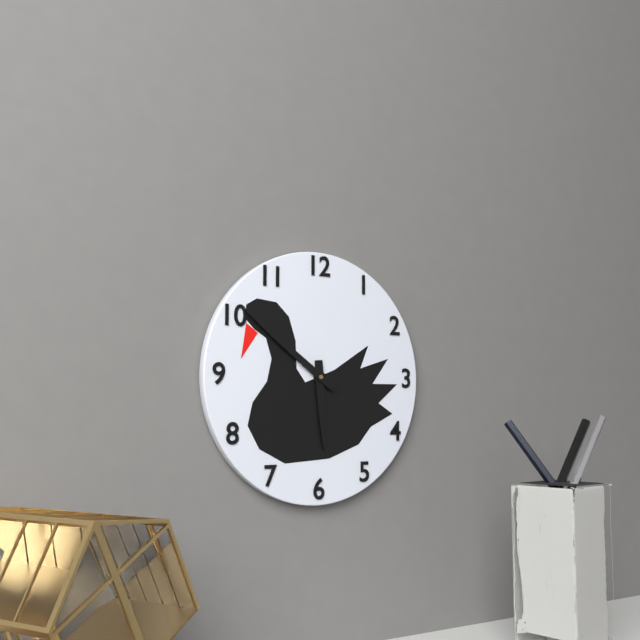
5.51
